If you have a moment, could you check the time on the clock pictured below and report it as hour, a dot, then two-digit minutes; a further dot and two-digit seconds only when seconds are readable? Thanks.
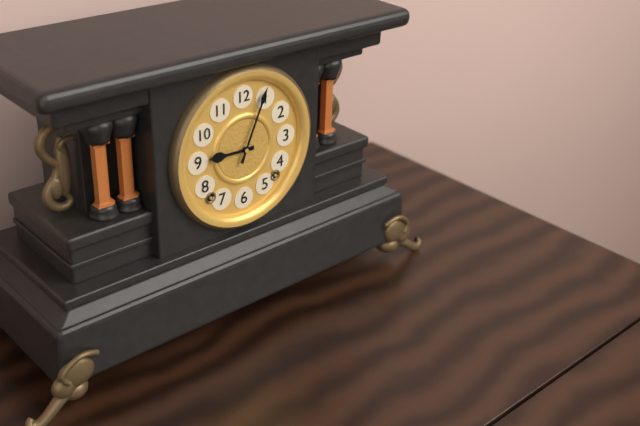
9.04
